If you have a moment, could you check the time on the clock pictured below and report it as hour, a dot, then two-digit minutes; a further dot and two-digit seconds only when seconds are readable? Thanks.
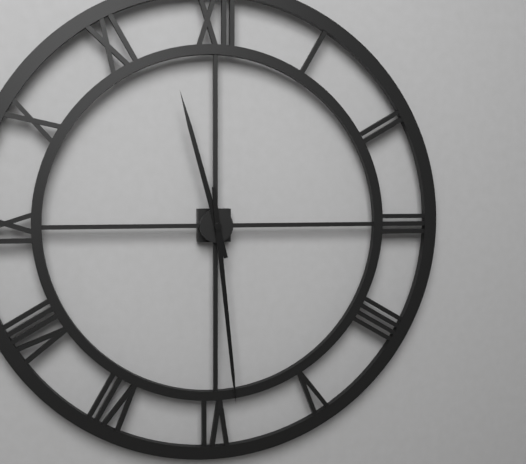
11.29
